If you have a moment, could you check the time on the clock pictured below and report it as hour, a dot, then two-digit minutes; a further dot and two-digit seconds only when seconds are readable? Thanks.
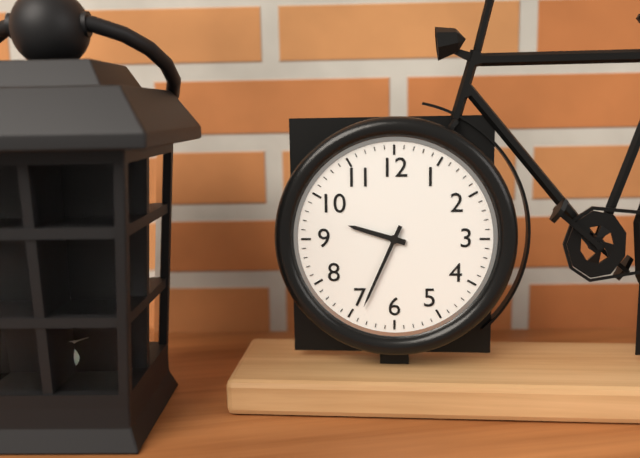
9.34
